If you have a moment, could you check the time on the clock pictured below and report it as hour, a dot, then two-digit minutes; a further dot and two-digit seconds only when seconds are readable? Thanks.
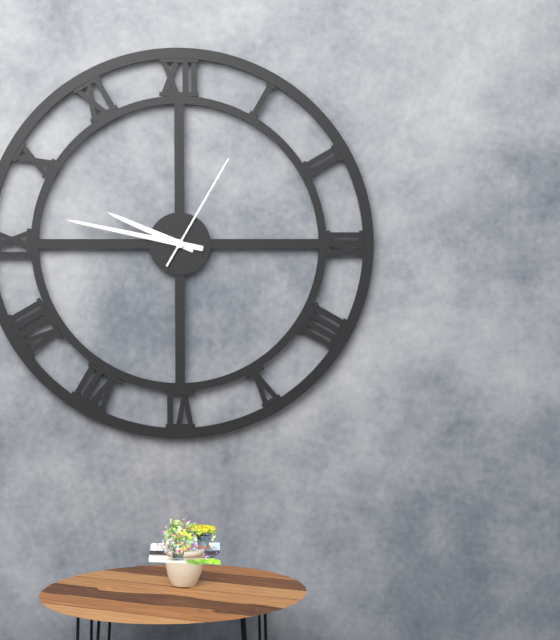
9.47.05
